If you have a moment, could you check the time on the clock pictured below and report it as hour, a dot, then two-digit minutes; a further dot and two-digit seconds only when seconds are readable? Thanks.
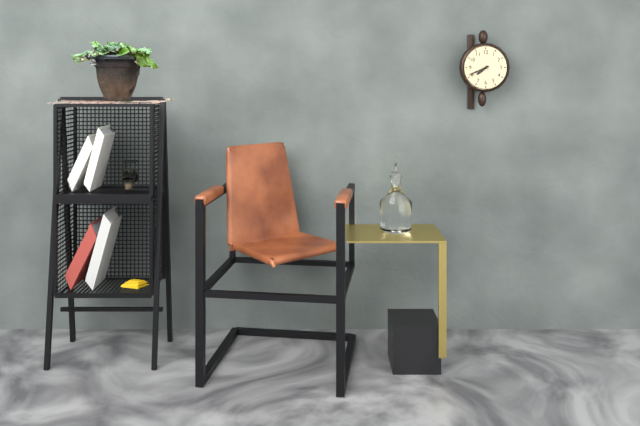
7.41
